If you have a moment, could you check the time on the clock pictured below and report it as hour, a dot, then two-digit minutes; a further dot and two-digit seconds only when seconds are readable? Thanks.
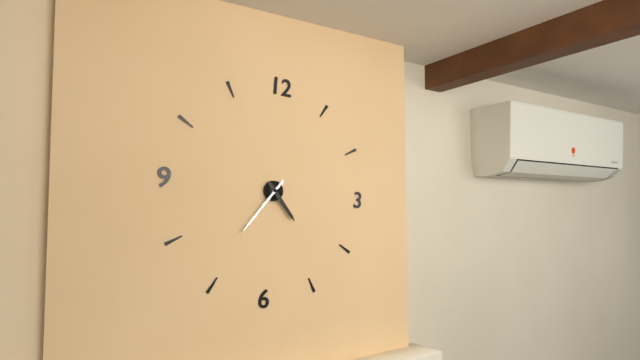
4.36
